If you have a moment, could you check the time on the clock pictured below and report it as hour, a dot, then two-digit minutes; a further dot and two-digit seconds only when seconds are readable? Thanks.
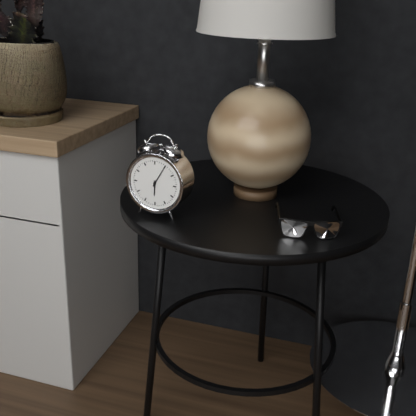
6.05
